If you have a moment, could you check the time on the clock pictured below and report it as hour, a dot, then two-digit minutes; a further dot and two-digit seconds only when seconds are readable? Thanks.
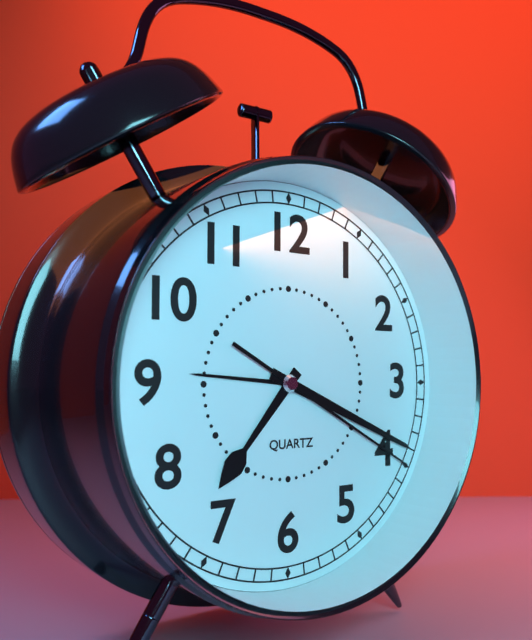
7.19.20
